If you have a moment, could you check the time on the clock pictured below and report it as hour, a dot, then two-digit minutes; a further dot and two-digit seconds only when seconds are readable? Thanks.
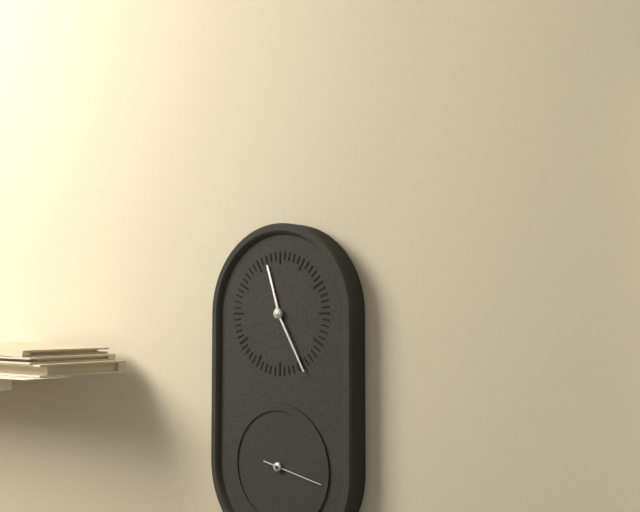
11.25.17
